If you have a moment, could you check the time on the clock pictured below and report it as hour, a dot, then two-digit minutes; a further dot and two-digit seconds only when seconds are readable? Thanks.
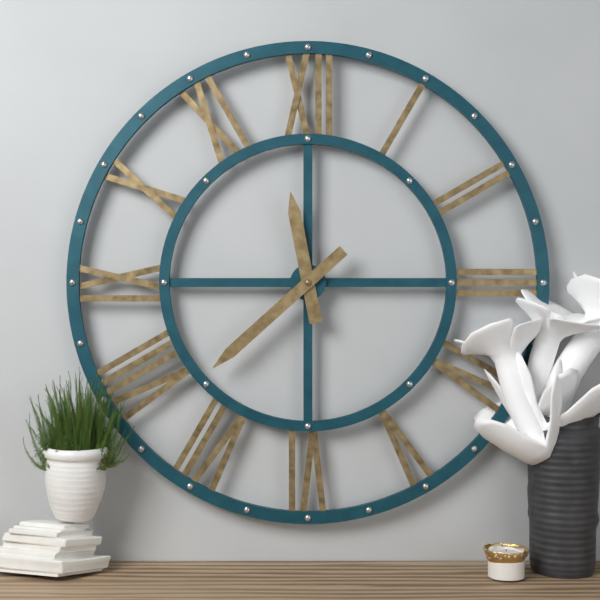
11.38
